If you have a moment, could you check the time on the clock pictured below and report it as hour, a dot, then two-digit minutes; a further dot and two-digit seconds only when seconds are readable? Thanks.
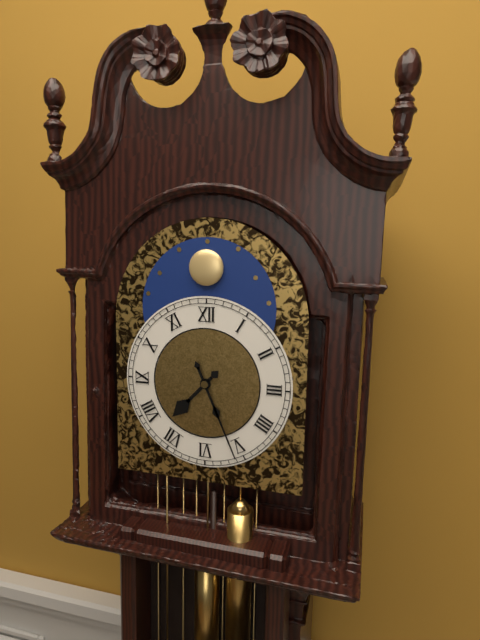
7.26
